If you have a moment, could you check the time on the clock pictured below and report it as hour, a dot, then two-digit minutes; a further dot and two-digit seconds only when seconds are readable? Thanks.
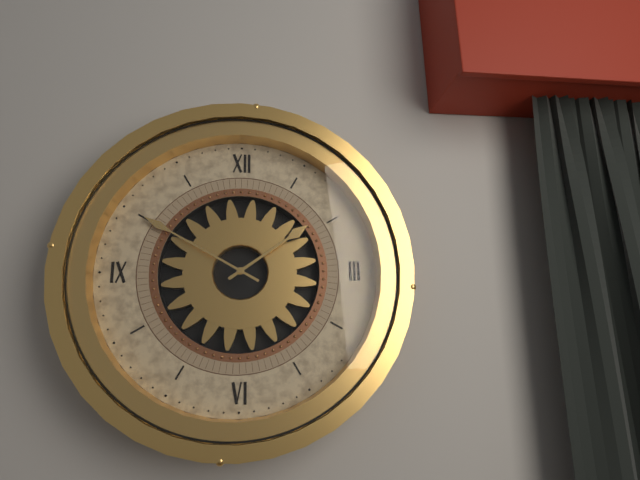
1.50
